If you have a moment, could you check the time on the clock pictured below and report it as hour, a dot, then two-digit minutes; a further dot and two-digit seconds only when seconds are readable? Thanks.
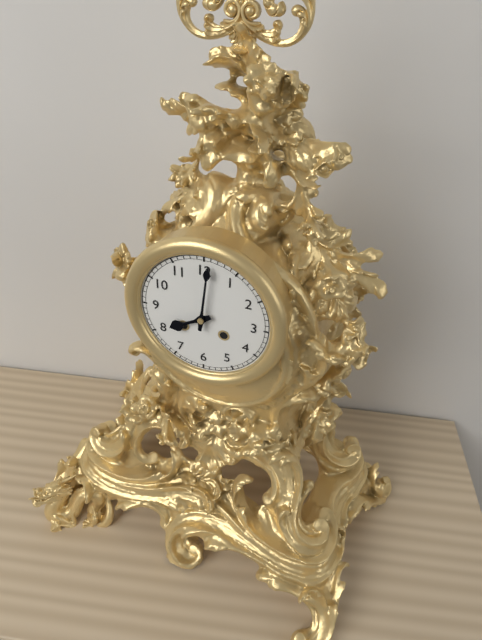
8.01
